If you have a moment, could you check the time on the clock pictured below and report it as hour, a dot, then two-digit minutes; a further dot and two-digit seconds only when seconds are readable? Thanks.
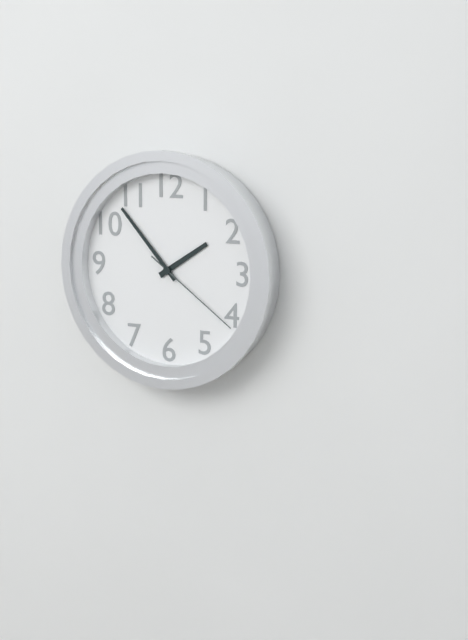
1.53.21
